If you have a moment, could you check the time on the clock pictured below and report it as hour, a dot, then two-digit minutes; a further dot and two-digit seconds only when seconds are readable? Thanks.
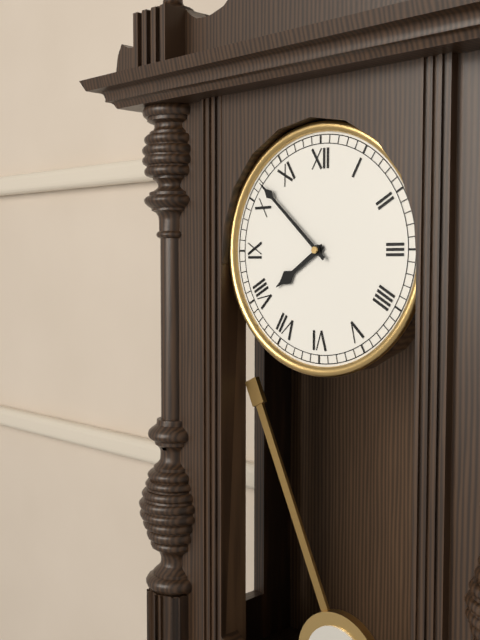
7.52
